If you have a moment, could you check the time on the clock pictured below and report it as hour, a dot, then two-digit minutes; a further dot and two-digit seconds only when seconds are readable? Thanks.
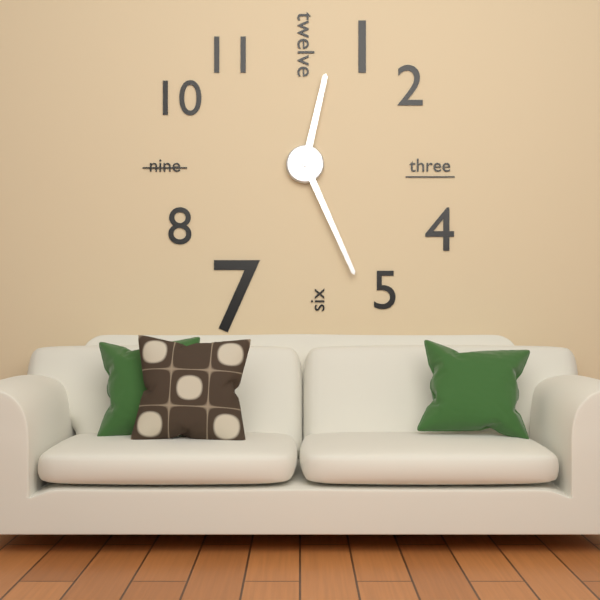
12.26
